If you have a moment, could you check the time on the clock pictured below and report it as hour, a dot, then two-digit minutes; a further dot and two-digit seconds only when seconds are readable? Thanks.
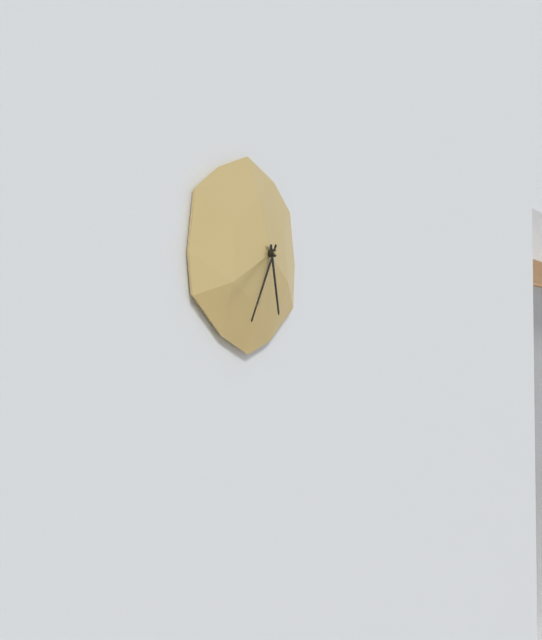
5.35
